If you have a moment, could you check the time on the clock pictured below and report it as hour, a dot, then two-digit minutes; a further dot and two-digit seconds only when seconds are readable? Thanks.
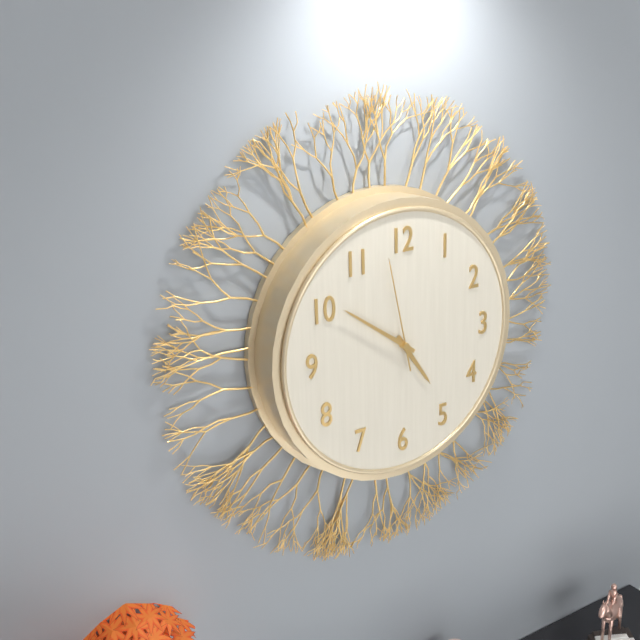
4.51.58
